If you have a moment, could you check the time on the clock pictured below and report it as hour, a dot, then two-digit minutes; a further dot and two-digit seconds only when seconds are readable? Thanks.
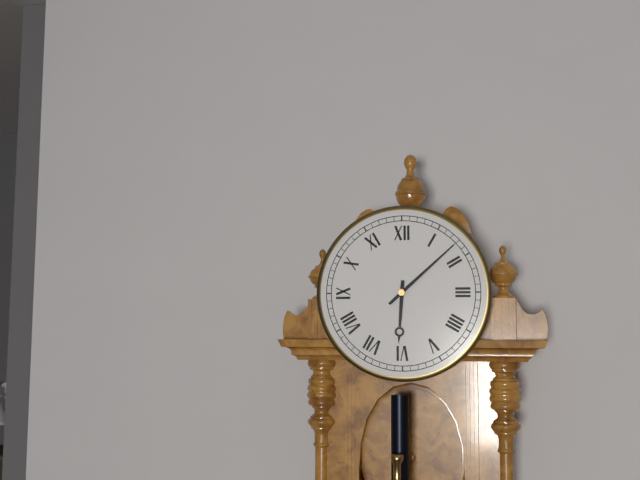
6.08
